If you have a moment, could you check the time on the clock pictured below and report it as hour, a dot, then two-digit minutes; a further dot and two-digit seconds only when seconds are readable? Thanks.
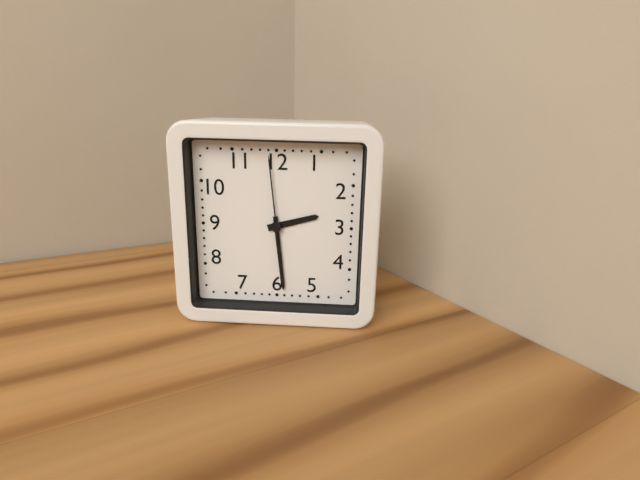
2.29.59
